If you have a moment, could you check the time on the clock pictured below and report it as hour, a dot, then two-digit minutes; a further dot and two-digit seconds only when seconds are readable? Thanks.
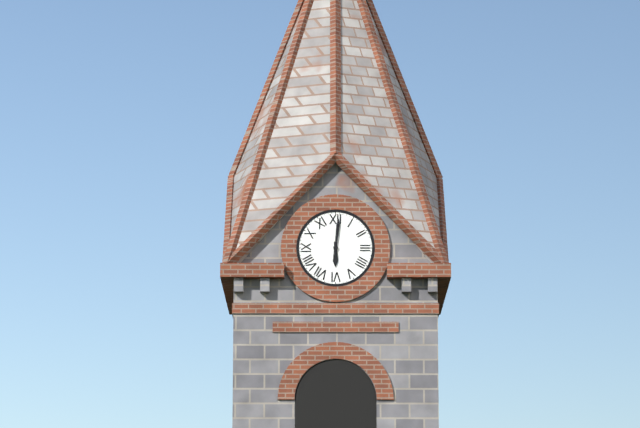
6.01
